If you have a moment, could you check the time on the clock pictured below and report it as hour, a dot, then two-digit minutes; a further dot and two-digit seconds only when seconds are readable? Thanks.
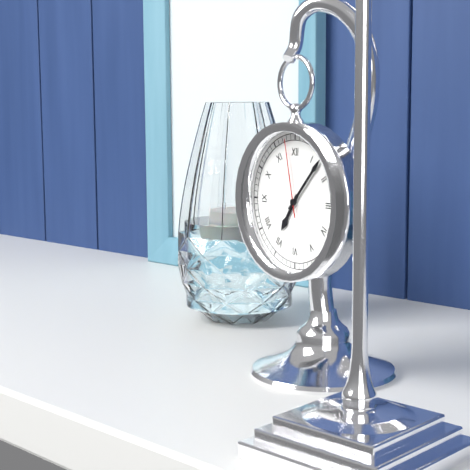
7.07.58
